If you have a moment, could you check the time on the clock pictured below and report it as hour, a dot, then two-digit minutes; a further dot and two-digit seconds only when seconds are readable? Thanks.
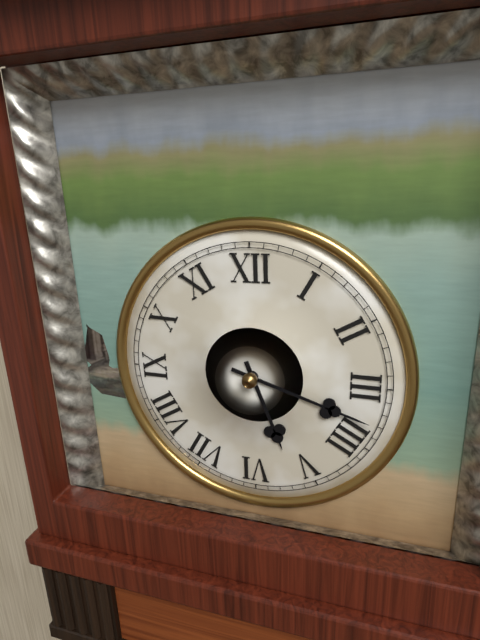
5.18
